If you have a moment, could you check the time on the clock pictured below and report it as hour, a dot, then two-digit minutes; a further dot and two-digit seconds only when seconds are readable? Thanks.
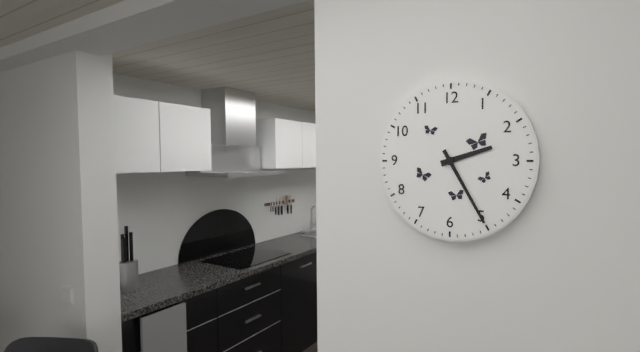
2.25
